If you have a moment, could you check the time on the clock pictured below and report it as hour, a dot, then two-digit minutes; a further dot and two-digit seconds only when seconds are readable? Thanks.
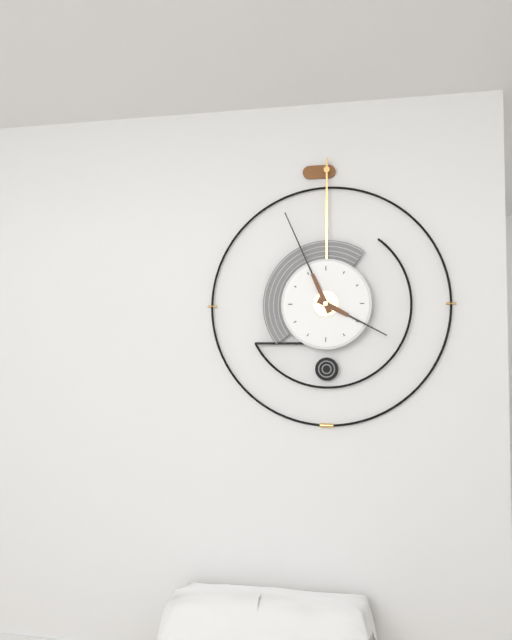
3.56
